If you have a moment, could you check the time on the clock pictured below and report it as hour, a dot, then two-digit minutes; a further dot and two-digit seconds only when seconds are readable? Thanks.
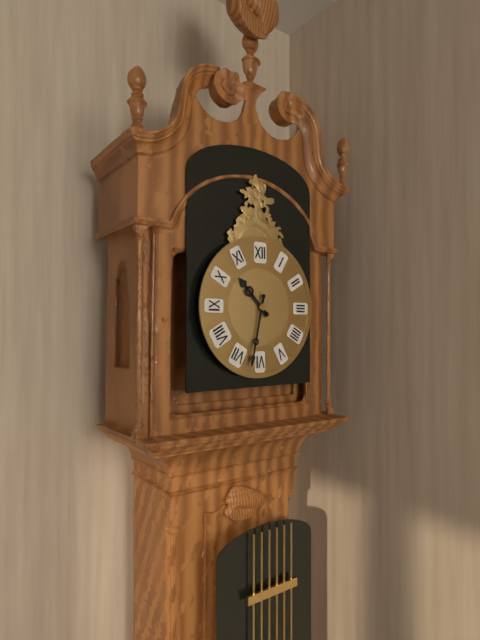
10.32
